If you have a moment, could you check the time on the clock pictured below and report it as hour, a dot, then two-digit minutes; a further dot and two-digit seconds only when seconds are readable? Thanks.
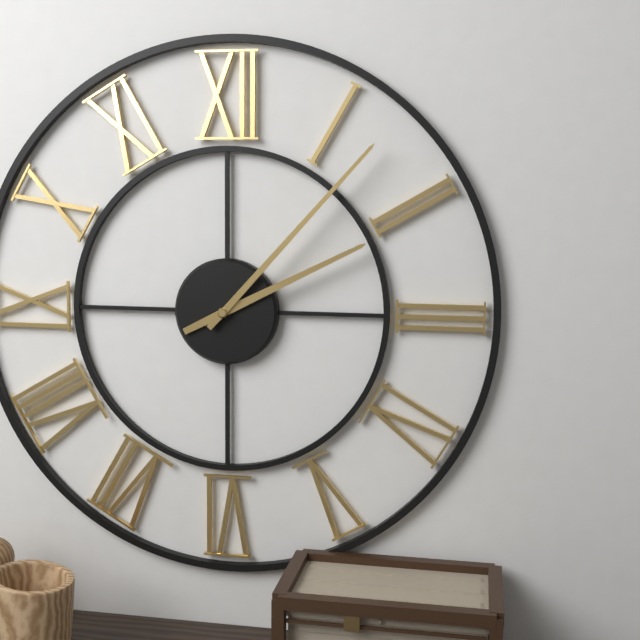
2.07
